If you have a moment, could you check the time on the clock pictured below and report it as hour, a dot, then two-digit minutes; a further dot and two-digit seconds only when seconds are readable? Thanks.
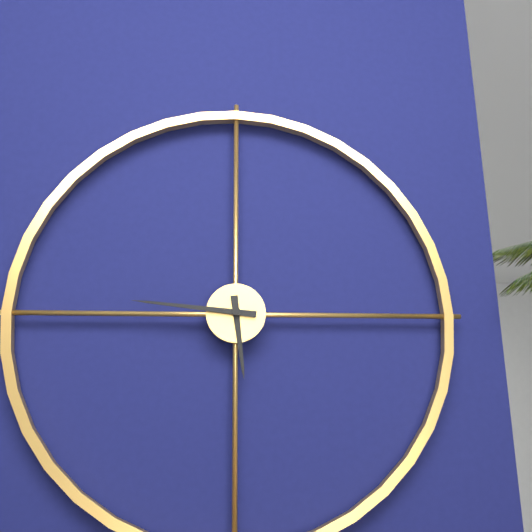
5.46
